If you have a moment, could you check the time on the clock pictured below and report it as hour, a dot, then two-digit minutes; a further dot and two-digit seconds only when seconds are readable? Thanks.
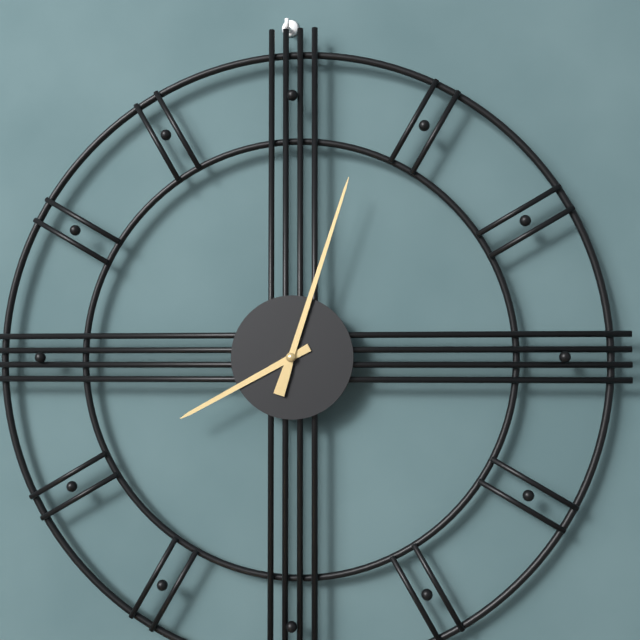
8.03
